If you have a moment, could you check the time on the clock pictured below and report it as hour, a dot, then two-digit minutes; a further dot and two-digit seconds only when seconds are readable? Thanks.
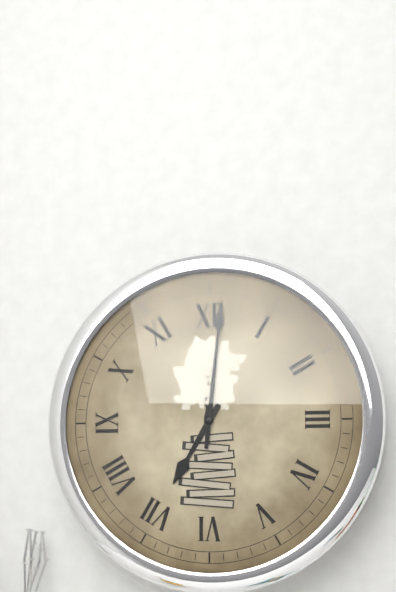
7.01
